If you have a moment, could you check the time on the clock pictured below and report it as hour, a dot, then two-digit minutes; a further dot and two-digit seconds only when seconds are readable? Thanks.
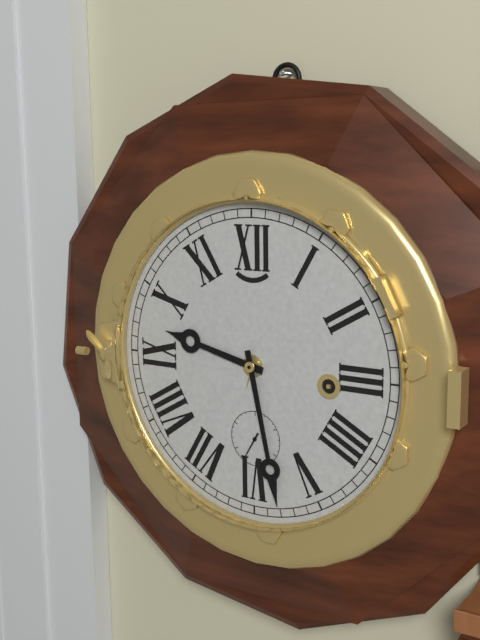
9.28.35
